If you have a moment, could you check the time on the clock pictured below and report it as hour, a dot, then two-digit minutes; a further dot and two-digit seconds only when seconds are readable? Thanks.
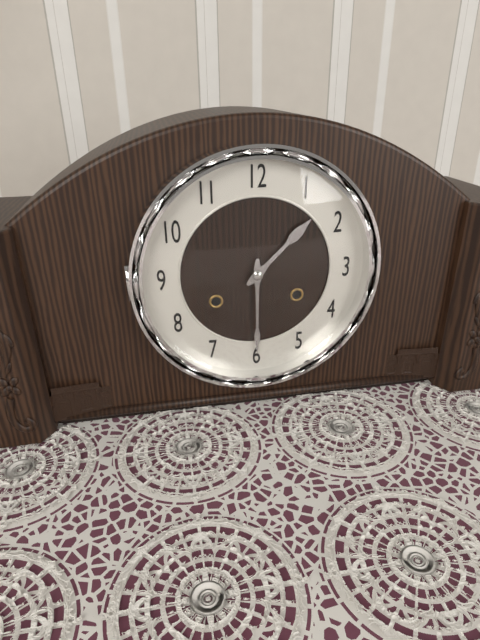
1.30
